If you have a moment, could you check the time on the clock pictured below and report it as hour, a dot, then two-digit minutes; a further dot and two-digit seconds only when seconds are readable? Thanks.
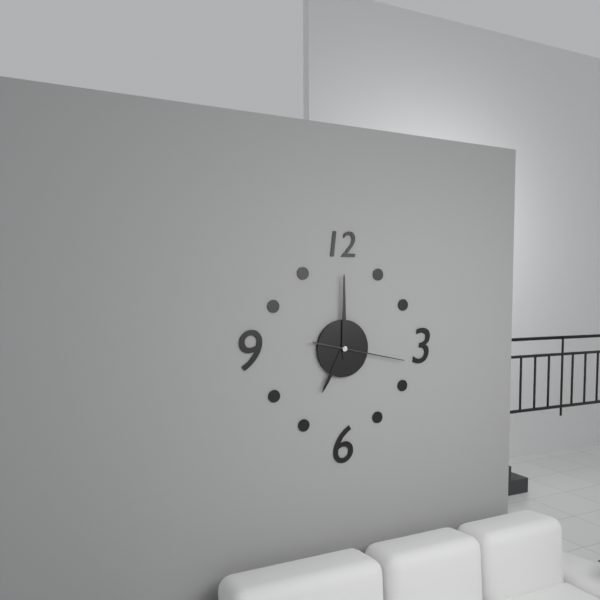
7.00.17
